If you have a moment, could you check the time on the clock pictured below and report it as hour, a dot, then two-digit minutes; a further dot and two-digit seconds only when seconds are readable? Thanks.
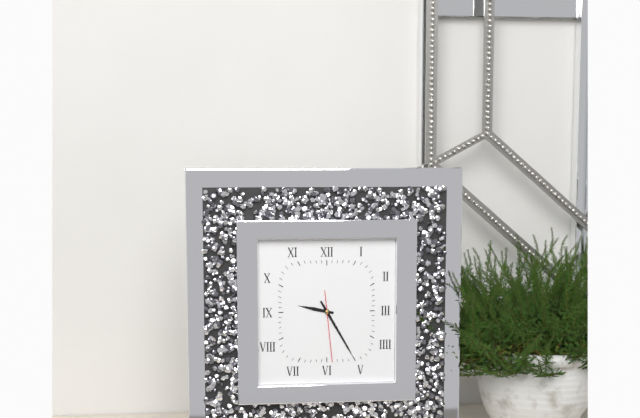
9.25.29
